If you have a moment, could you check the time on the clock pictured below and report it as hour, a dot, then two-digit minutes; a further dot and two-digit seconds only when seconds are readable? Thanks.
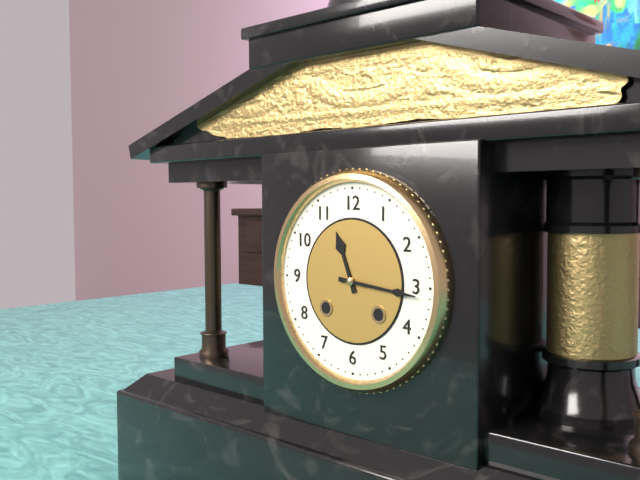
11.16
